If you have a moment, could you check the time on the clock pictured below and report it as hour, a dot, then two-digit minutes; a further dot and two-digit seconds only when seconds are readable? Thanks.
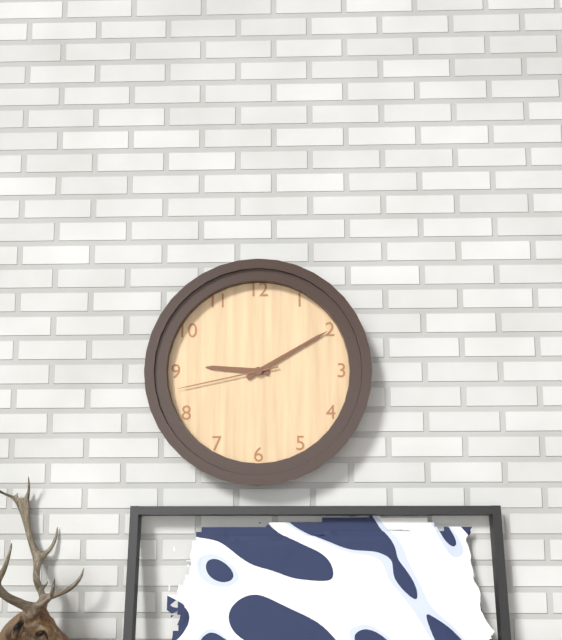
9.10.43
